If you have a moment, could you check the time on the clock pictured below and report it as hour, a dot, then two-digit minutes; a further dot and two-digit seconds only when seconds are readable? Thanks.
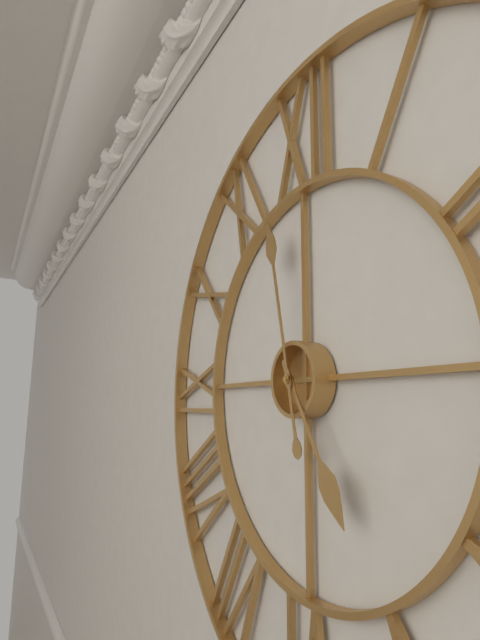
4.58
